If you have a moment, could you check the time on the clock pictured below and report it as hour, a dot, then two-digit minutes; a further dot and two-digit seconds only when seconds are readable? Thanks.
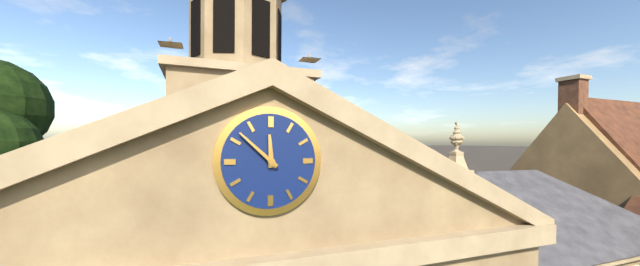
11.52
